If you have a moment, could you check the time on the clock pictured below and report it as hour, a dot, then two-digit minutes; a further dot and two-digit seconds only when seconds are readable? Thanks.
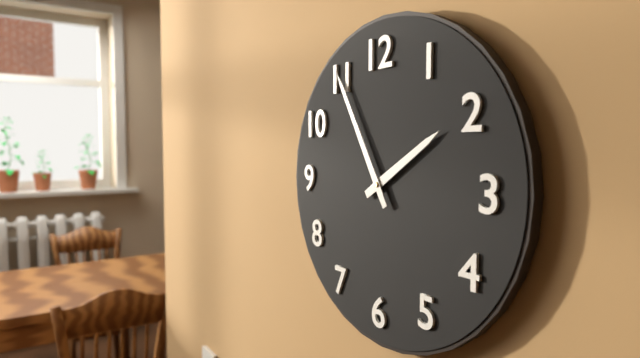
1.55
